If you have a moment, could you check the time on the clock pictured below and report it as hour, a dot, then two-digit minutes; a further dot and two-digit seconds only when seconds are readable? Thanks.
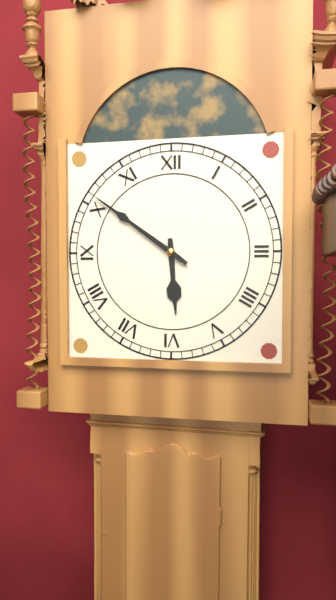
5.51
